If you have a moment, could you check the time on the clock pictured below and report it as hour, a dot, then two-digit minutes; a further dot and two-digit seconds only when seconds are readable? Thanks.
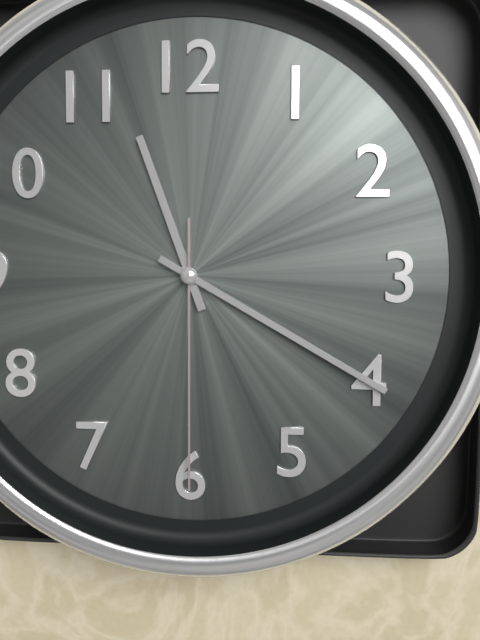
11.20.30
